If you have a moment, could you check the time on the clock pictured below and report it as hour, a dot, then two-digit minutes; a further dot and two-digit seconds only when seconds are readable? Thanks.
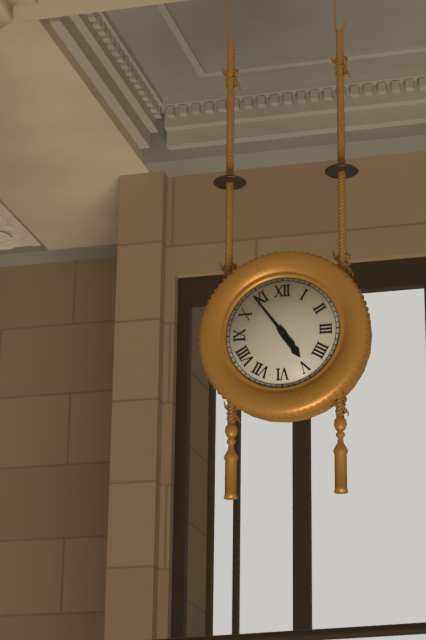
4.54
